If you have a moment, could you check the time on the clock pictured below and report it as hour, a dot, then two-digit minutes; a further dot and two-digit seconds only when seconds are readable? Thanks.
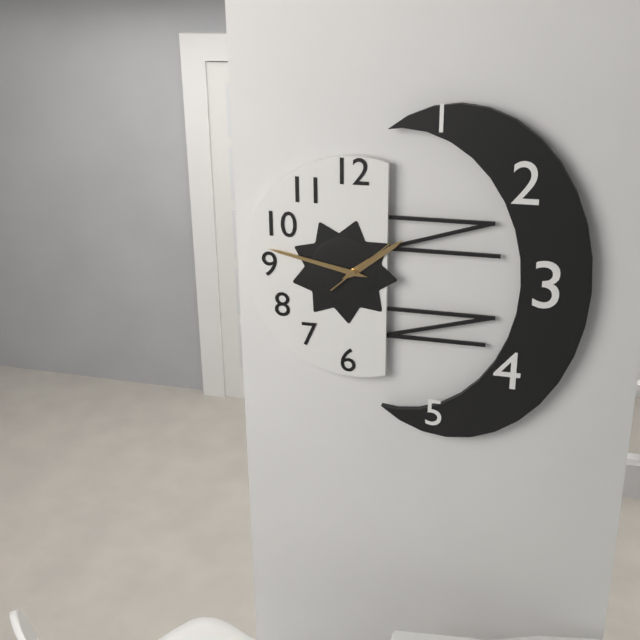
1.47.08
